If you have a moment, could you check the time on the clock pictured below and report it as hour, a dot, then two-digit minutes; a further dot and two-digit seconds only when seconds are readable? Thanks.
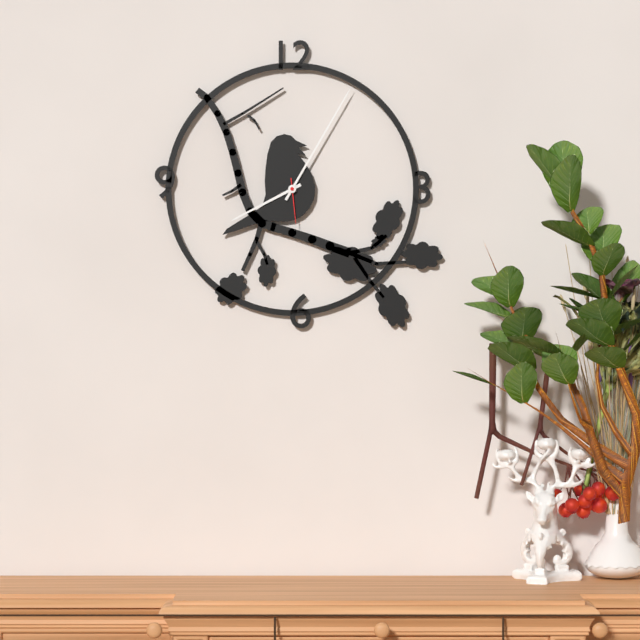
8.05
